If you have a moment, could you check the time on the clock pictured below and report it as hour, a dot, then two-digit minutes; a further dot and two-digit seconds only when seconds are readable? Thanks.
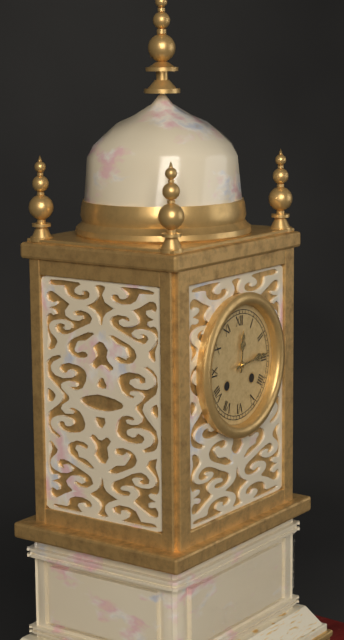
12.14
